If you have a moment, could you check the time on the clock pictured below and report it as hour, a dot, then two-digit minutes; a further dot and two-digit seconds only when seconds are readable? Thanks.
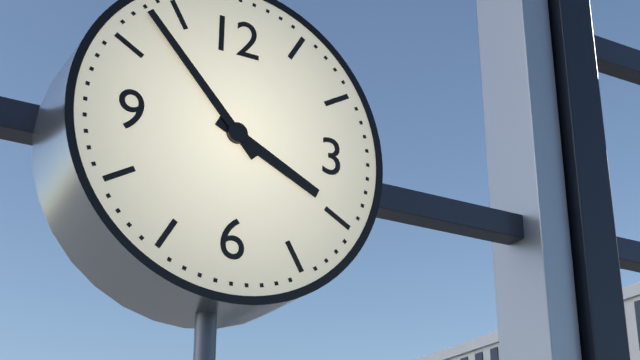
3.53
